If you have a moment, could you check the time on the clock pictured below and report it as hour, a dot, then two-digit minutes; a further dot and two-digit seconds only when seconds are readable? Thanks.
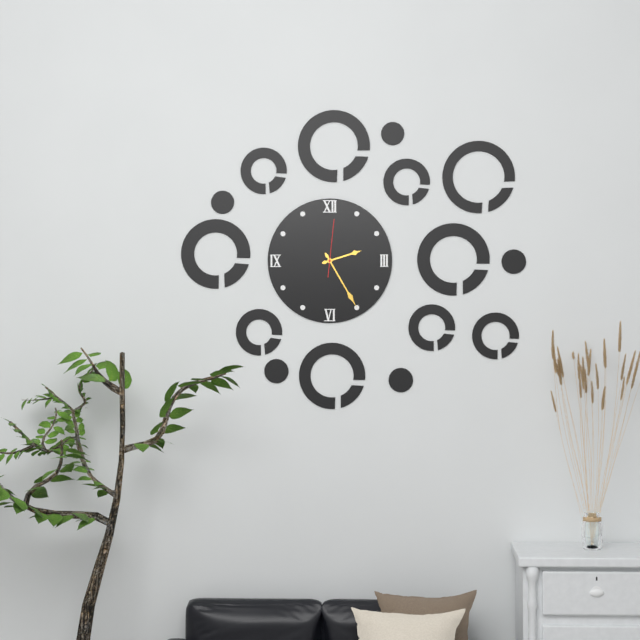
2.25.01
